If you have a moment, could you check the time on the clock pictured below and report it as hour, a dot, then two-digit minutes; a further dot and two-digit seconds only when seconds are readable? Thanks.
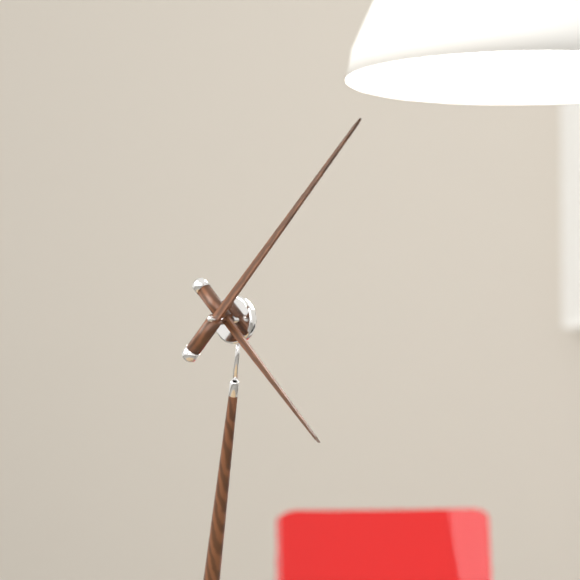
4.05
